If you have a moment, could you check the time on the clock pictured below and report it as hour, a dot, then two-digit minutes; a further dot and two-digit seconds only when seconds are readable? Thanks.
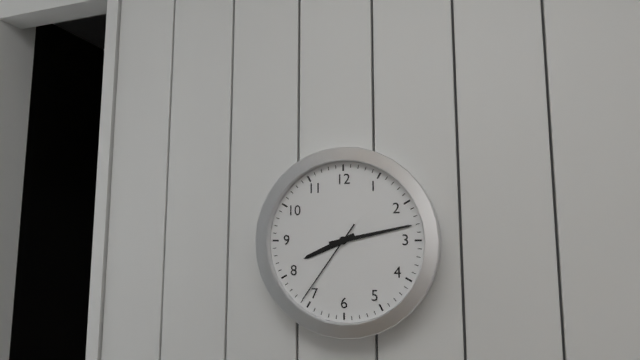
8.13.36
